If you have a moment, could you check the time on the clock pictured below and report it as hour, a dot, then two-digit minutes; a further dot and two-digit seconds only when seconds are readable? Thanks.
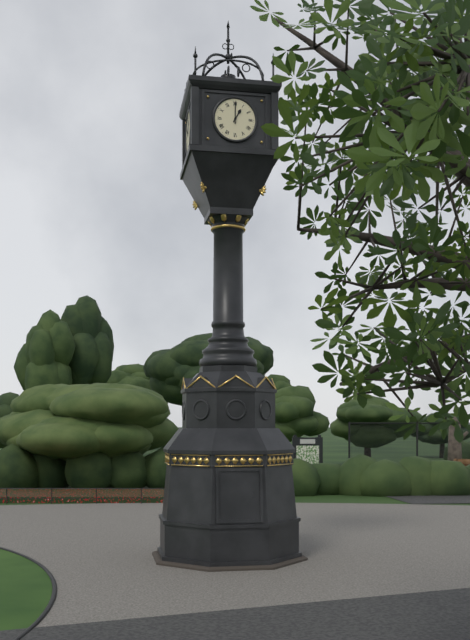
1.00
